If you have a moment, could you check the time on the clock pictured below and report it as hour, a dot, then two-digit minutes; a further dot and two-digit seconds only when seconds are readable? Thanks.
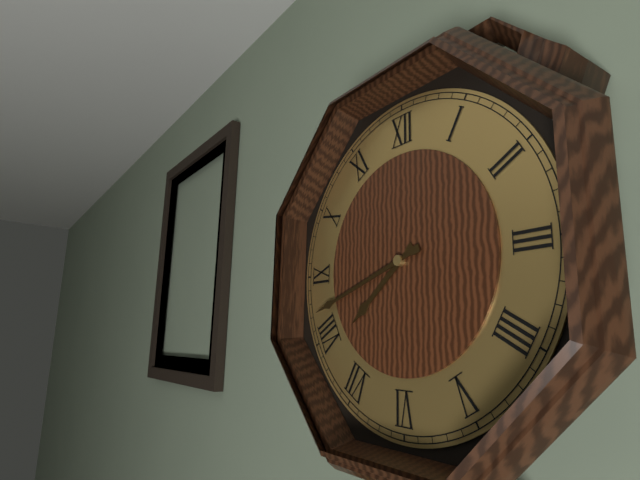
7.42
